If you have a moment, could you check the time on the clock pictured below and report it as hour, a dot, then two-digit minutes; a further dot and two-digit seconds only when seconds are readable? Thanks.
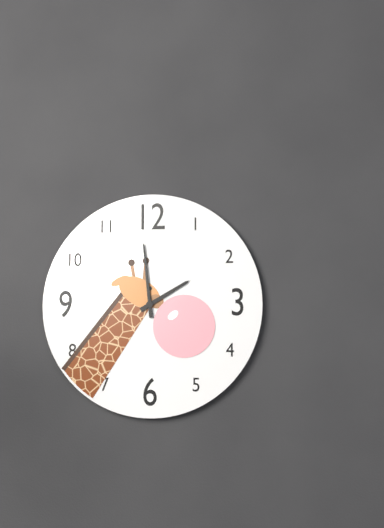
1.59
